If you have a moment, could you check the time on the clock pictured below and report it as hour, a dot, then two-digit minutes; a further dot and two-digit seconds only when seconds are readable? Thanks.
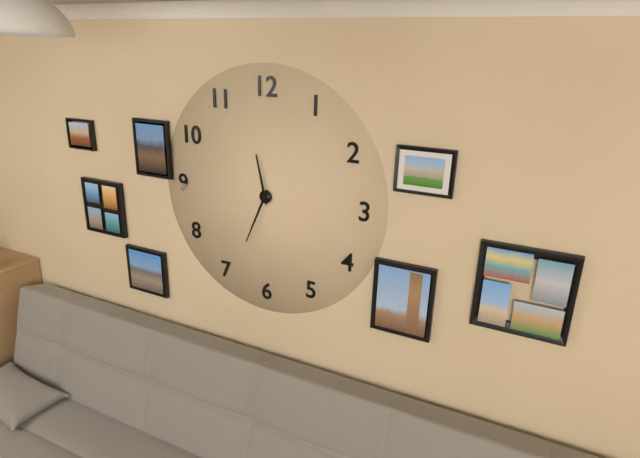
11.34
